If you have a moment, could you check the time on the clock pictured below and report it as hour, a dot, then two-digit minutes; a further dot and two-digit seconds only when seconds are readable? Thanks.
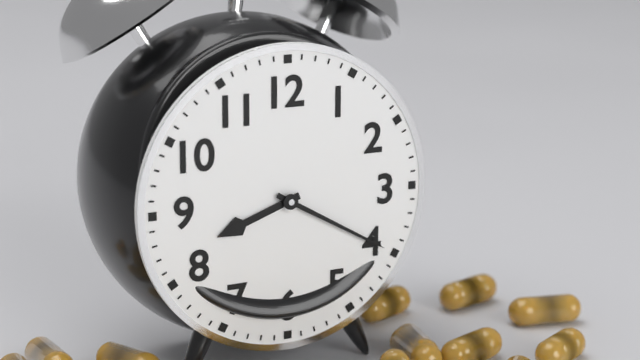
8.20
